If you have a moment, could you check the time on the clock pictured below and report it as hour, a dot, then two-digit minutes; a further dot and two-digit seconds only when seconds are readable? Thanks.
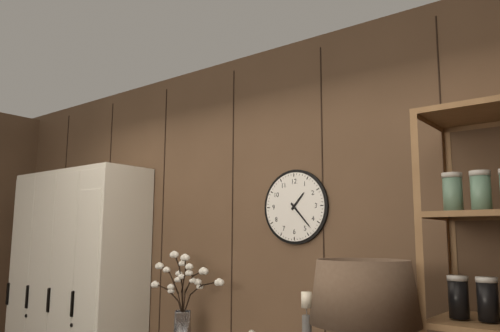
1.23
